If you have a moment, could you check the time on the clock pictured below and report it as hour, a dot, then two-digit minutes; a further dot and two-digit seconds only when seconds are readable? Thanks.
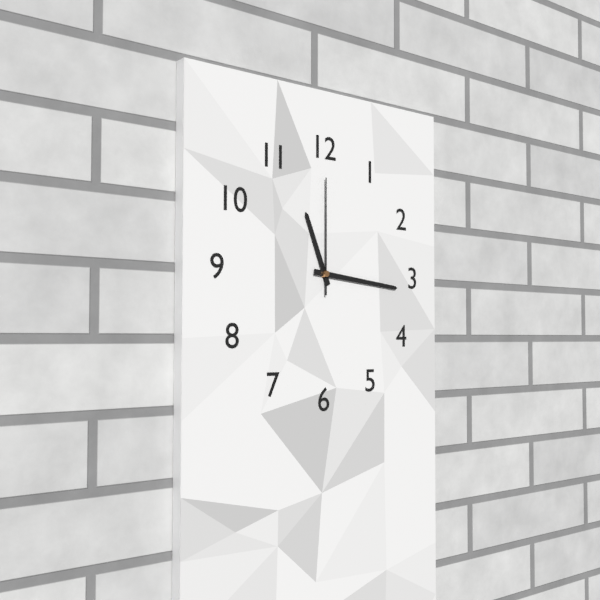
11.16.00
